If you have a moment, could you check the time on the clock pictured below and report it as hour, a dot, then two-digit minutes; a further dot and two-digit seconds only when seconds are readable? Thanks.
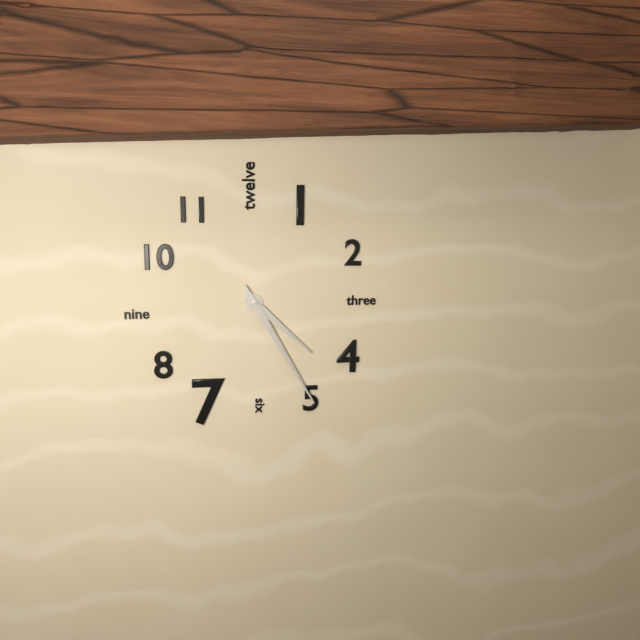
4.25
